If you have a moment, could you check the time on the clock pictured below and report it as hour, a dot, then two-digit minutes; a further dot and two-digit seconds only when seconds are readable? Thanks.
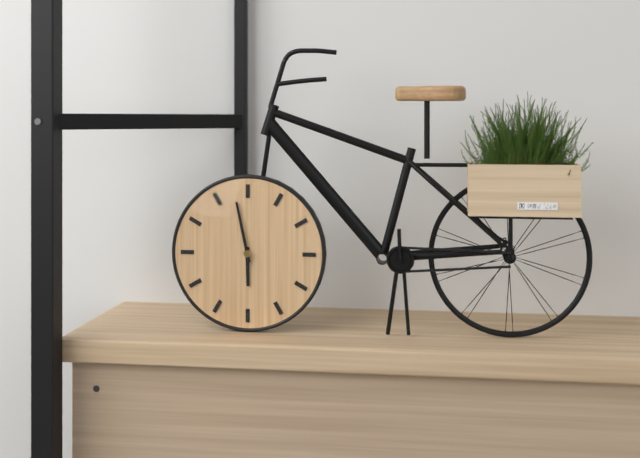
5.58
